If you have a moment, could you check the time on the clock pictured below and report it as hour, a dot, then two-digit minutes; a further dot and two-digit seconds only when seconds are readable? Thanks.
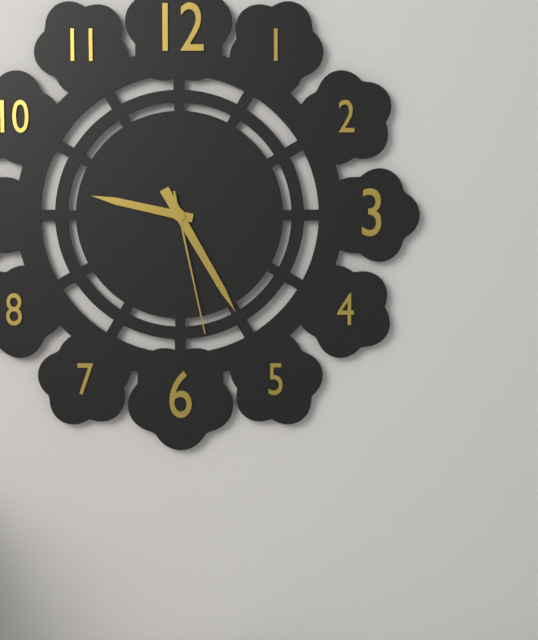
9.25.28
